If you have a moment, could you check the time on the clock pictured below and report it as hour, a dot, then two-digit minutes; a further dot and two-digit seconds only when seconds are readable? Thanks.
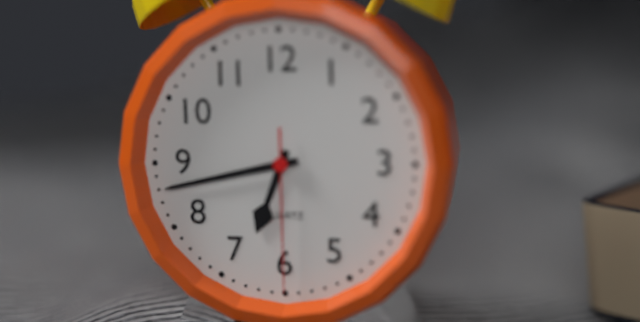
6.43.30
